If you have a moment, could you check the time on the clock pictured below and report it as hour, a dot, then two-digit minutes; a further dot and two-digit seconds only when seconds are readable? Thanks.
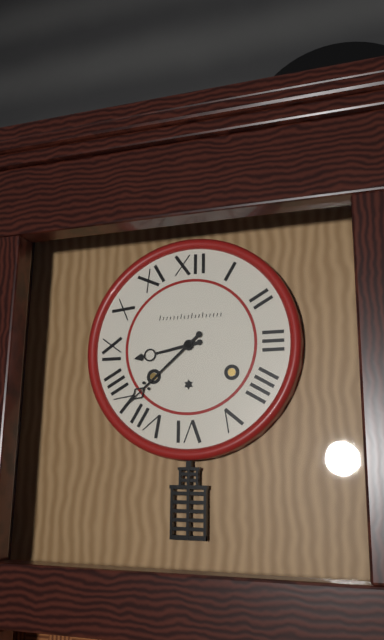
8.38
